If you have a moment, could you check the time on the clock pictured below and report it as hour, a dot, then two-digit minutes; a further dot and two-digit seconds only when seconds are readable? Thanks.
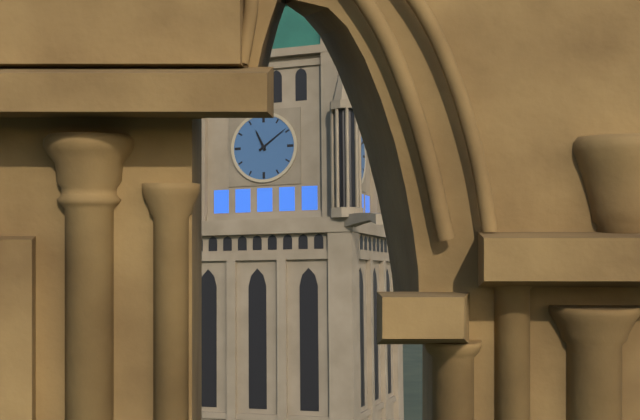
11.09
